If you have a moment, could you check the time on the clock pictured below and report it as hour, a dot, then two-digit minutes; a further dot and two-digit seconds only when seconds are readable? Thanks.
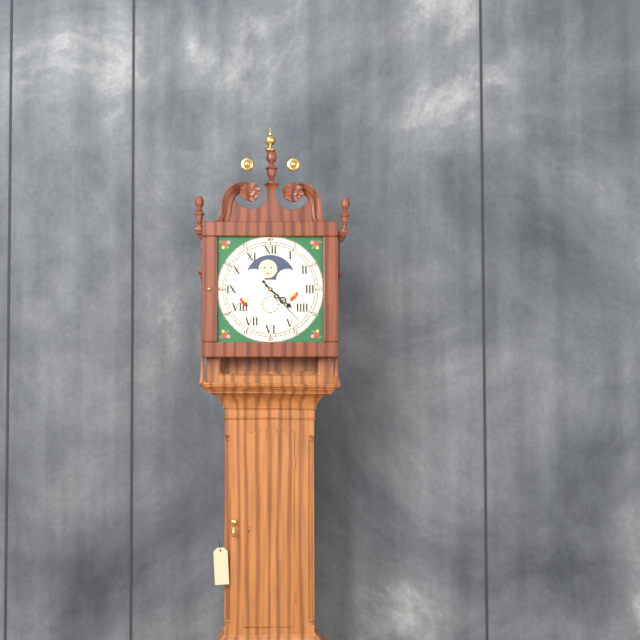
4.23
